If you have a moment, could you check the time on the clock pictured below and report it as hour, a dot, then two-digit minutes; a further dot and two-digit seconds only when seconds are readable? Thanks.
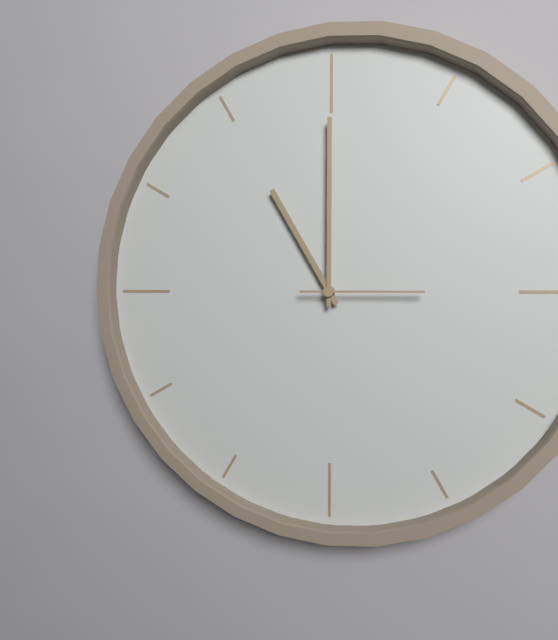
11.00.15
